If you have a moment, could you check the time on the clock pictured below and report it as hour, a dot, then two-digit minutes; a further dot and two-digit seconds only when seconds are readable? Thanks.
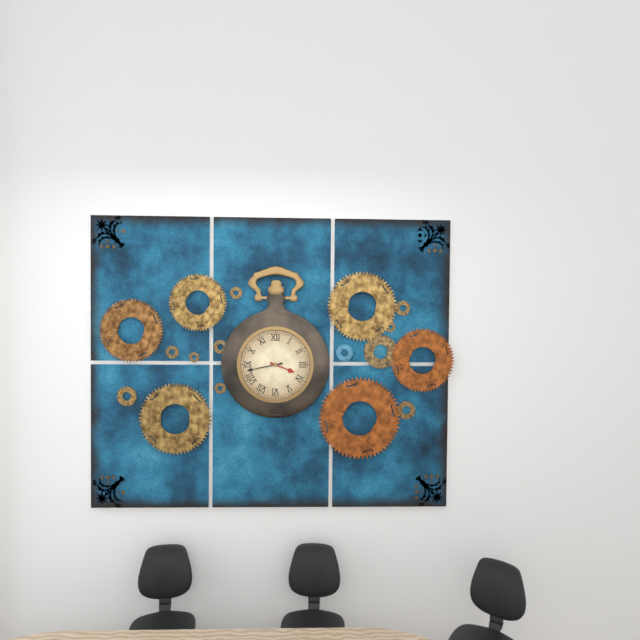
3.43
